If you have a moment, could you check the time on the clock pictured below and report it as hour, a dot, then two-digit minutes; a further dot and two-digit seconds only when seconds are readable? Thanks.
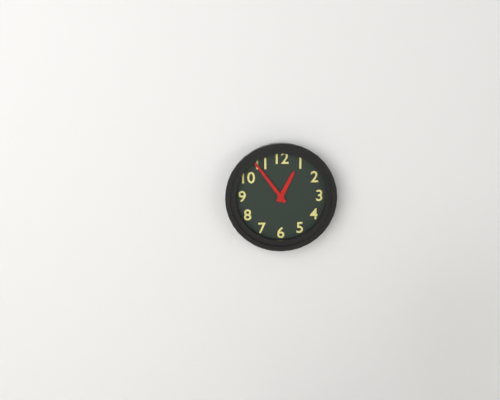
12.54
